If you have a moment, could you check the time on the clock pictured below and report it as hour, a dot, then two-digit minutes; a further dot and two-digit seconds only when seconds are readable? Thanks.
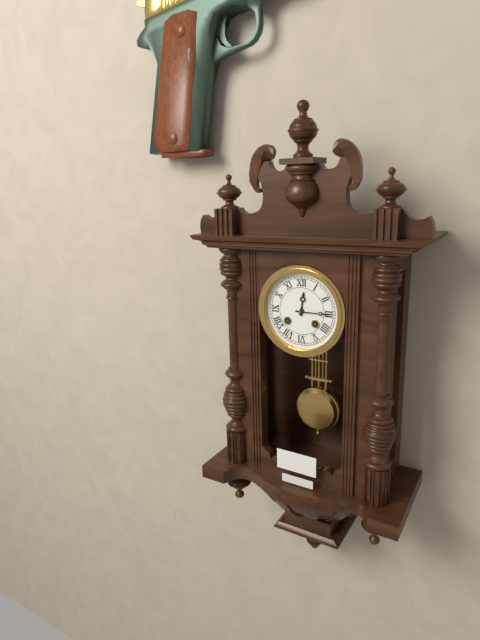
12.15
